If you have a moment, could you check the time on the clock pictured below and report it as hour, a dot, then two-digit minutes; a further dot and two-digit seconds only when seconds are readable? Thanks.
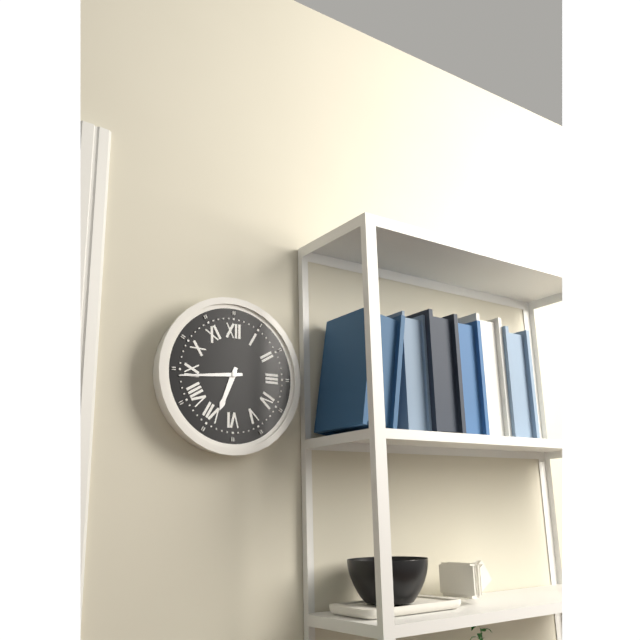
6.44
